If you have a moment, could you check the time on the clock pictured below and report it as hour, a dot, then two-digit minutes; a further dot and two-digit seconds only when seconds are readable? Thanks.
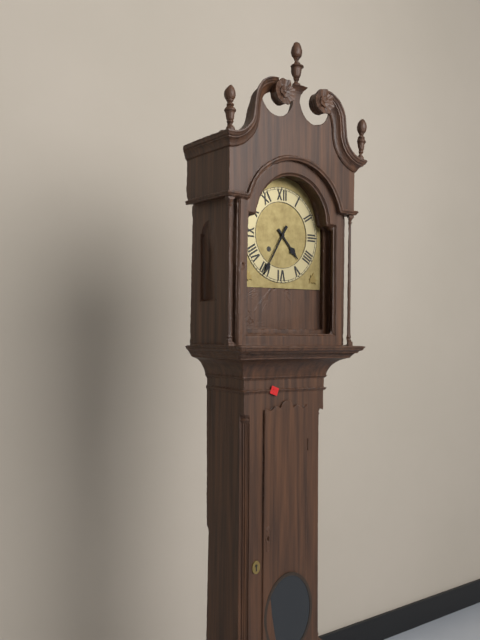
4.35
